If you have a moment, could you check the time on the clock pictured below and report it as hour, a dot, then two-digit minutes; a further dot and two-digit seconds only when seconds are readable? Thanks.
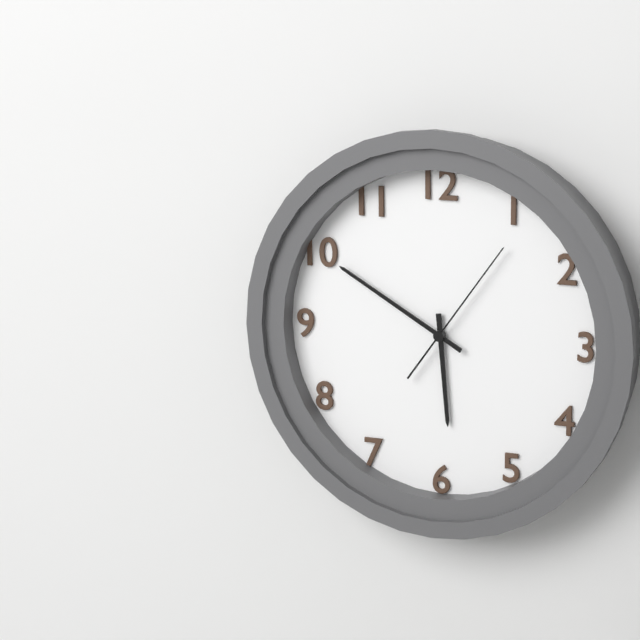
5.50.06
